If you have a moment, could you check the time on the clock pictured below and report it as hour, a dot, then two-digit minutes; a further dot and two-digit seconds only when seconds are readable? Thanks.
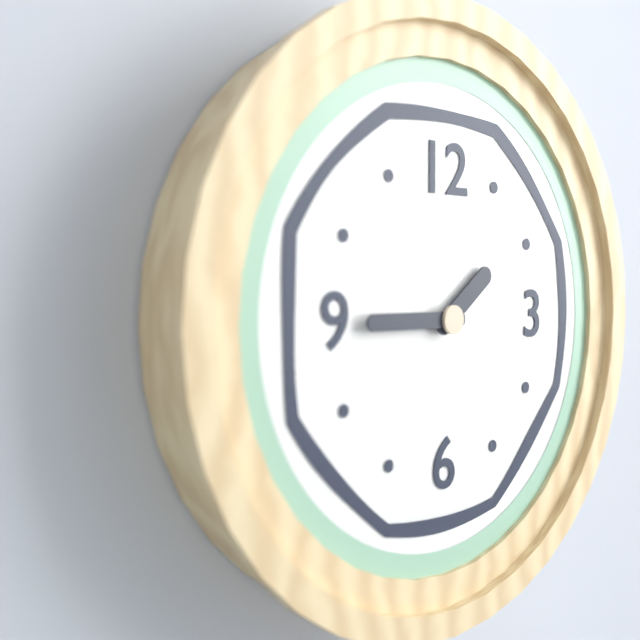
1.45
